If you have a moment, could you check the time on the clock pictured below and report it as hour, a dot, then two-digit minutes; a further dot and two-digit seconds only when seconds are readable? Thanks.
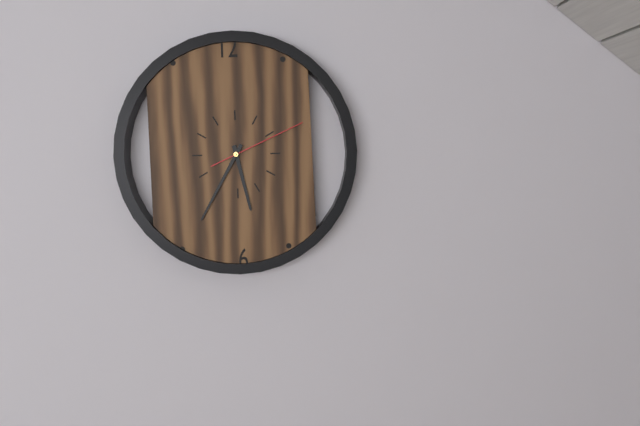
5.35.11
